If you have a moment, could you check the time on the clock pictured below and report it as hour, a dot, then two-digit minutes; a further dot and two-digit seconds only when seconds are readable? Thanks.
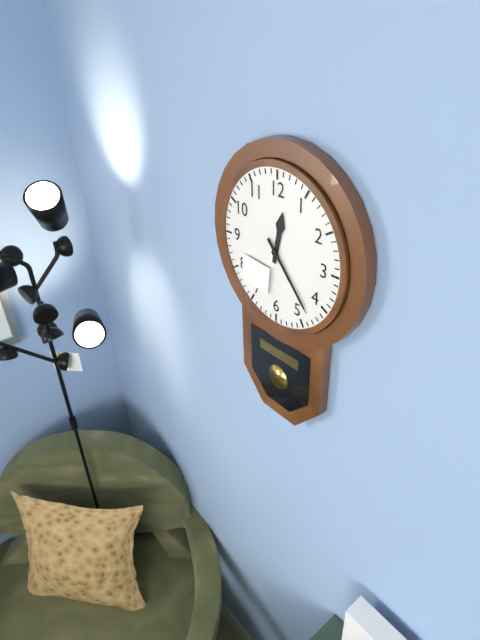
12.23
